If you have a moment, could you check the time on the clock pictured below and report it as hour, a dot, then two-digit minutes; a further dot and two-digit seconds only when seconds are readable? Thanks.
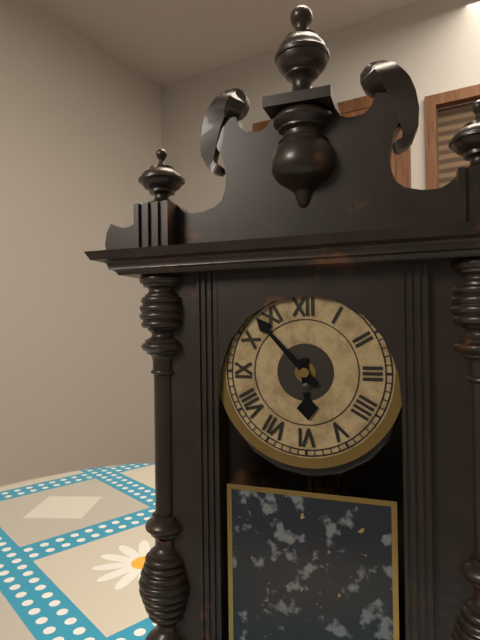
5.53
